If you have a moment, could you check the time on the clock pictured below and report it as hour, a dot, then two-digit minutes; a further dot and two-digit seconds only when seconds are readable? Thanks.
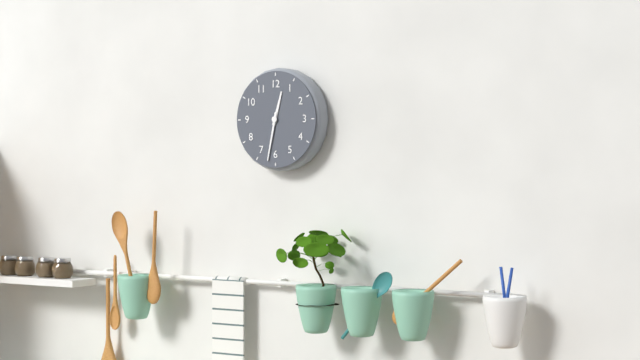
12.32
